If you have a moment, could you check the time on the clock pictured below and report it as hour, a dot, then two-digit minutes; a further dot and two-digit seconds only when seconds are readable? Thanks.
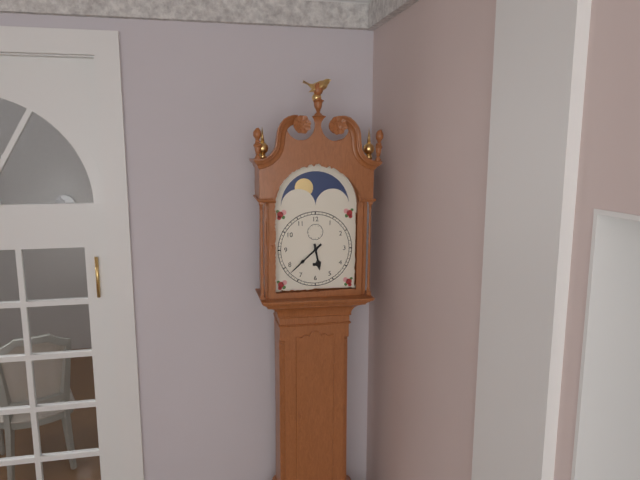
5.38
